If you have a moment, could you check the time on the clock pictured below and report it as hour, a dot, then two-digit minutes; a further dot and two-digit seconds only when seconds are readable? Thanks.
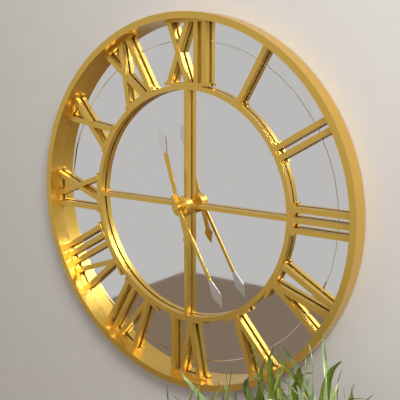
11.25
